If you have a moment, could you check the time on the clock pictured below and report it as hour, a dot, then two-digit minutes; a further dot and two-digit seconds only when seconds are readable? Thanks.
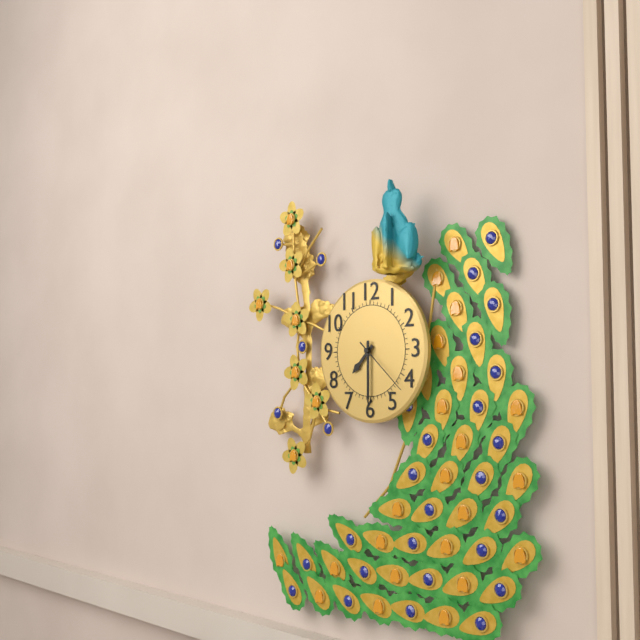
7.30.22
